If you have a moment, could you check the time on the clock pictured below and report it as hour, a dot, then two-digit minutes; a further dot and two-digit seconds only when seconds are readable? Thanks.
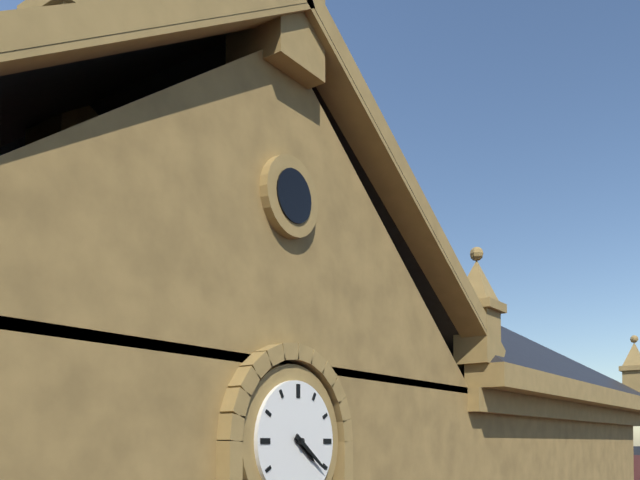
4.21
